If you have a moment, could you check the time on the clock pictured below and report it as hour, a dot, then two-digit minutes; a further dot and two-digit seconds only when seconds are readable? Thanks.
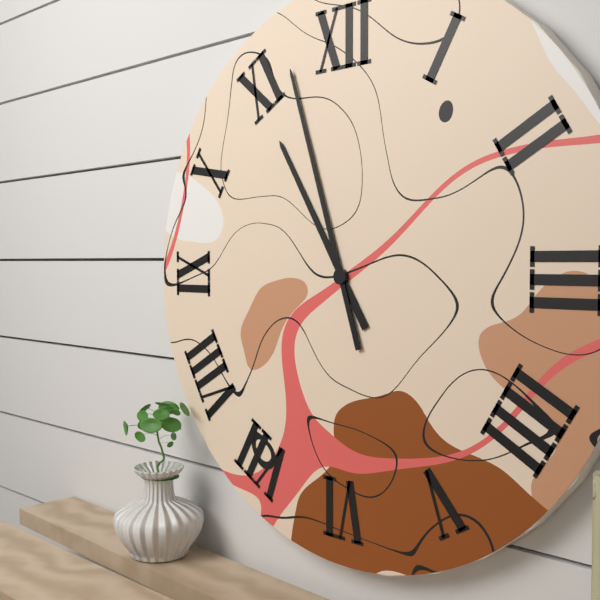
10.57
